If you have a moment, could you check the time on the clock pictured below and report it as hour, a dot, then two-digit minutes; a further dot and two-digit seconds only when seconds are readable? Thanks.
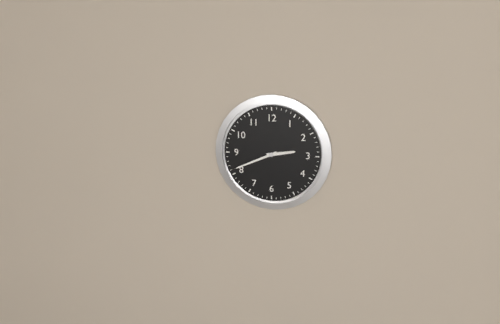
2.41
